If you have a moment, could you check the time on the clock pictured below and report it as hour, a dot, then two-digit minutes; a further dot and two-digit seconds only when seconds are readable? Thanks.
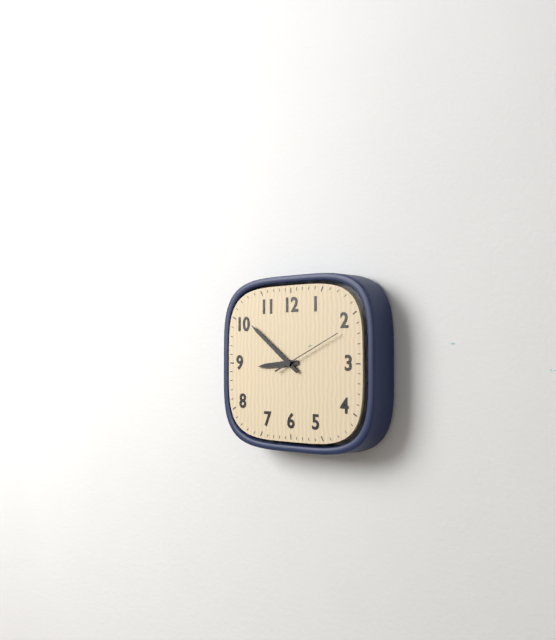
8.51.11
